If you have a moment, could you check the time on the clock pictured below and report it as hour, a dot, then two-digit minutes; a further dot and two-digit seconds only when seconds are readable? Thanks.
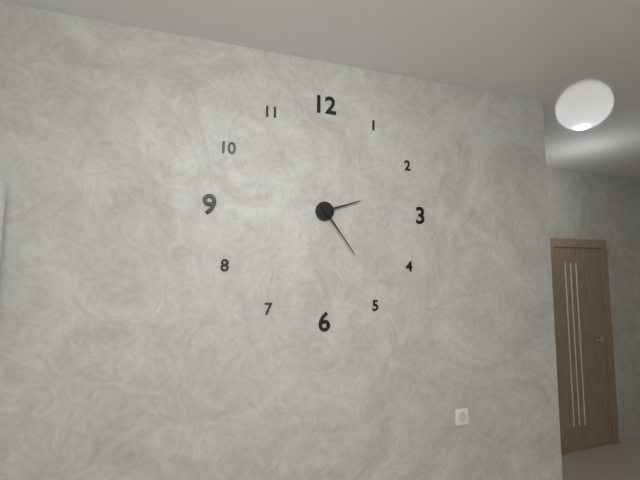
2.24
